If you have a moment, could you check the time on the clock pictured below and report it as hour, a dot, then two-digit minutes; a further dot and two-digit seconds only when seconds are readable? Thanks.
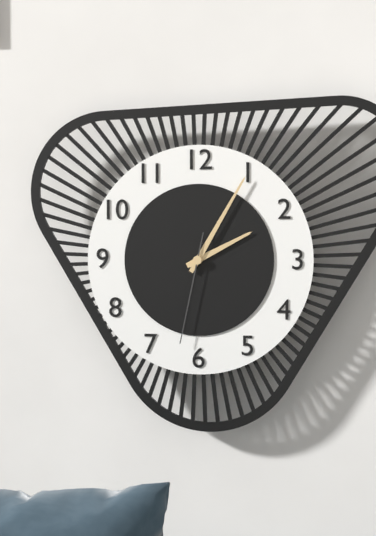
2.05.32
